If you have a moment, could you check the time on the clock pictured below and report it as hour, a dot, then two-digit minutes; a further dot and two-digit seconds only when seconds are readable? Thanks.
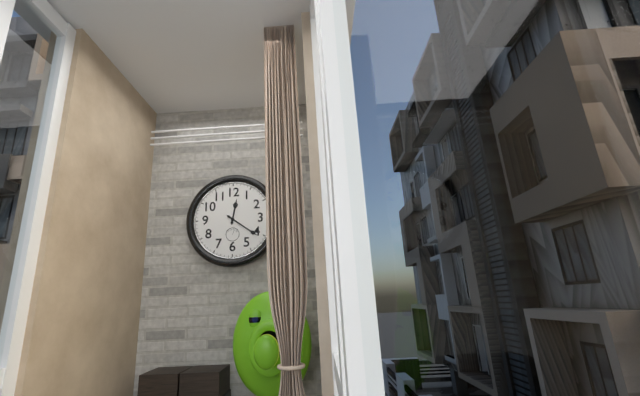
12.21
